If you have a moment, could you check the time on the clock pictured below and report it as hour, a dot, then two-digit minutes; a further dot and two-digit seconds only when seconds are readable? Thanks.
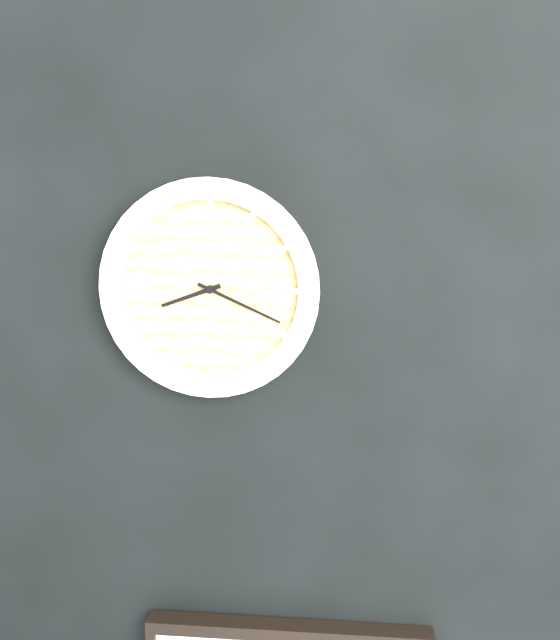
8.19
